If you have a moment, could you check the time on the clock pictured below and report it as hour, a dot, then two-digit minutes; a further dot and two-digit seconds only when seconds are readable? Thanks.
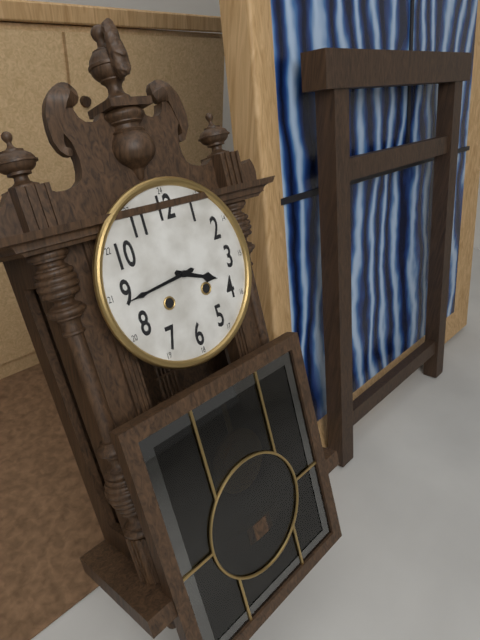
3.44
